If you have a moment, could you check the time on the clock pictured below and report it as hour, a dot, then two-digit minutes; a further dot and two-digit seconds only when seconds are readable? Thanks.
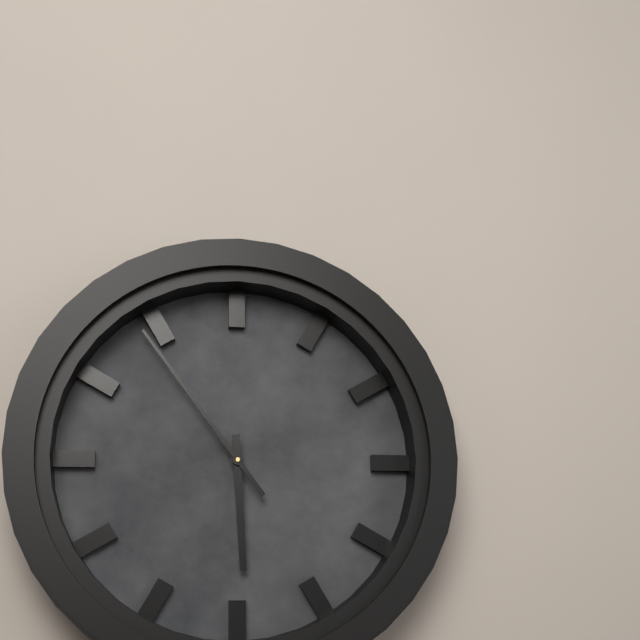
5.54
